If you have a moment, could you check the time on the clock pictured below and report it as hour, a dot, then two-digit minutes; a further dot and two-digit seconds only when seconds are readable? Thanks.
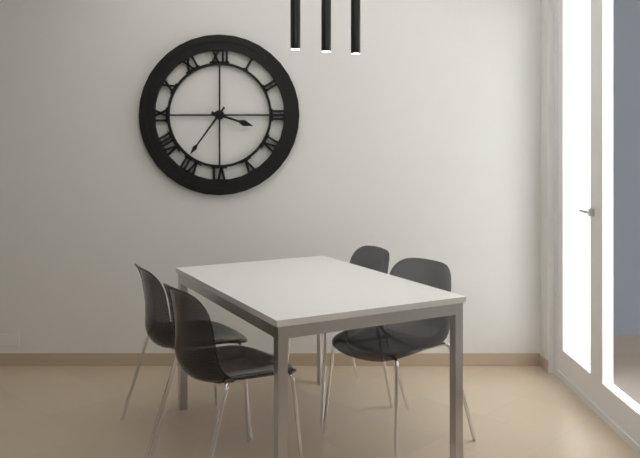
3.36
